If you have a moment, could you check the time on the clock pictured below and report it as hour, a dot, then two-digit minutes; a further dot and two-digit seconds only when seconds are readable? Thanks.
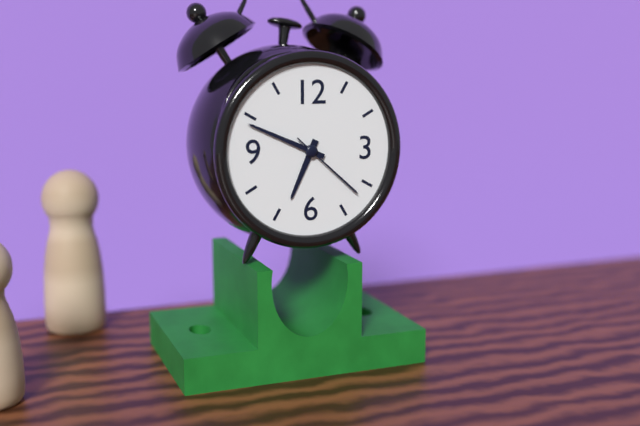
6.49.22
